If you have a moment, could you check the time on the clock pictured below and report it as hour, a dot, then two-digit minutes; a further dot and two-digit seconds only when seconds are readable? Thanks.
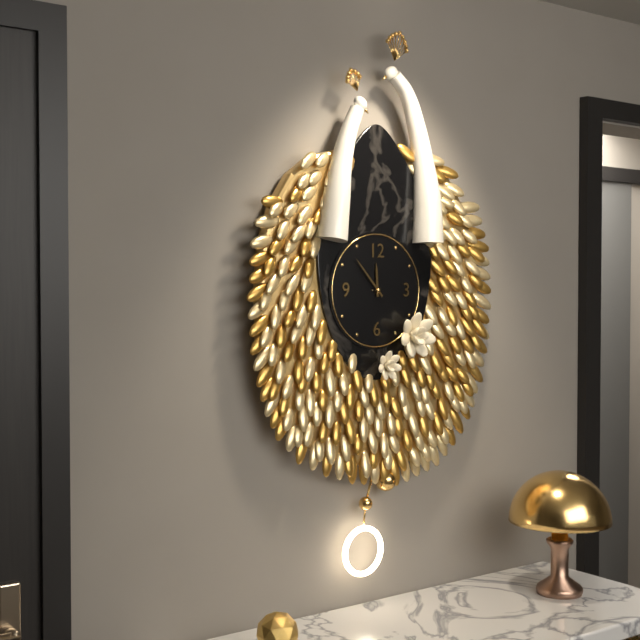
11.53
